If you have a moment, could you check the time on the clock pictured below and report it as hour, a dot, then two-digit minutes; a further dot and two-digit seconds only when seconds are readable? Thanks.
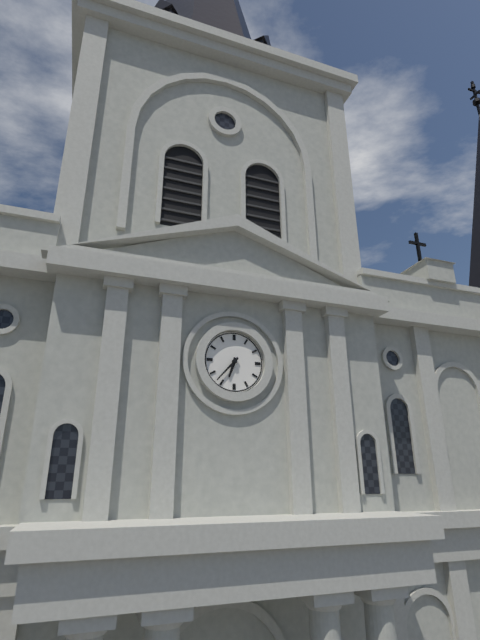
6.37
